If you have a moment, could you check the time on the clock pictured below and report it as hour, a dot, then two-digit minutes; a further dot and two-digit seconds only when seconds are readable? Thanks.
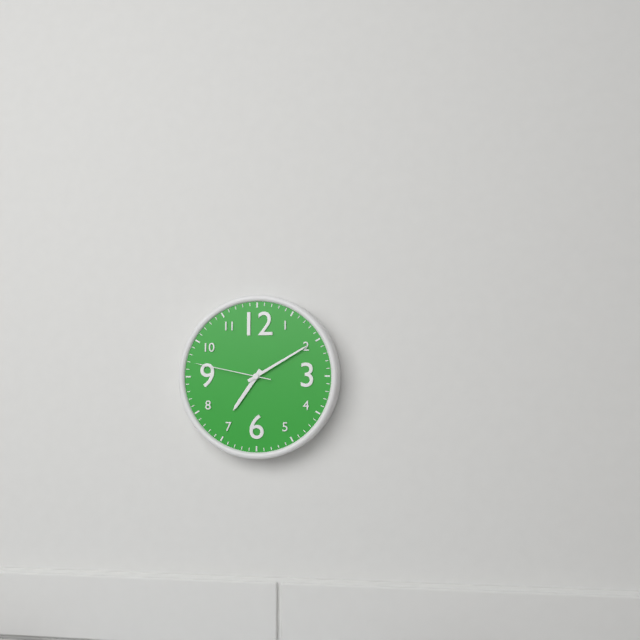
7.10.47
